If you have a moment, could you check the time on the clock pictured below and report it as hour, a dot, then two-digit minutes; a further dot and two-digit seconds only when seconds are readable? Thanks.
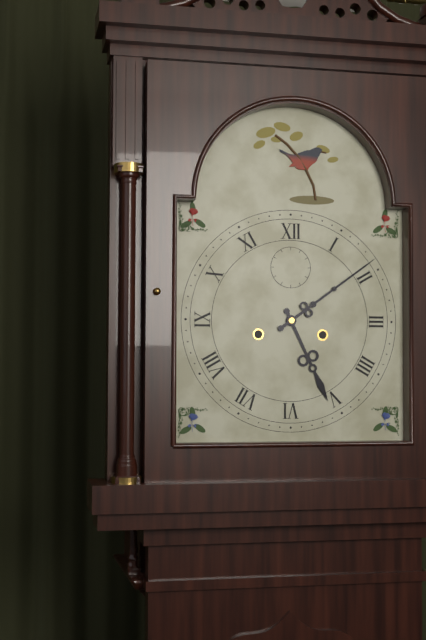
5.09
